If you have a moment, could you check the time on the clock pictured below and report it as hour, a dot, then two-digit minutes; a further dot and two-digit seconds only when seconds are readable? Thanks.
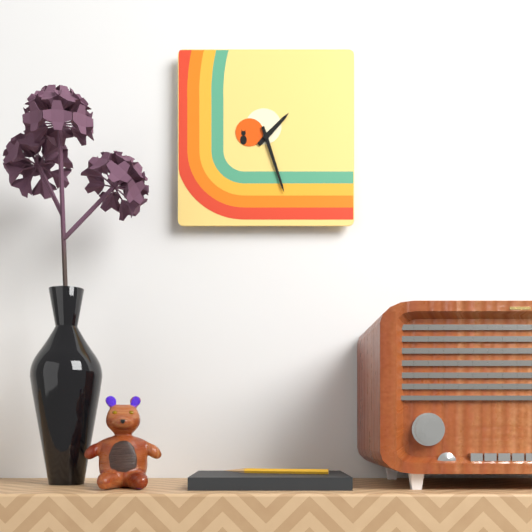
1.27
